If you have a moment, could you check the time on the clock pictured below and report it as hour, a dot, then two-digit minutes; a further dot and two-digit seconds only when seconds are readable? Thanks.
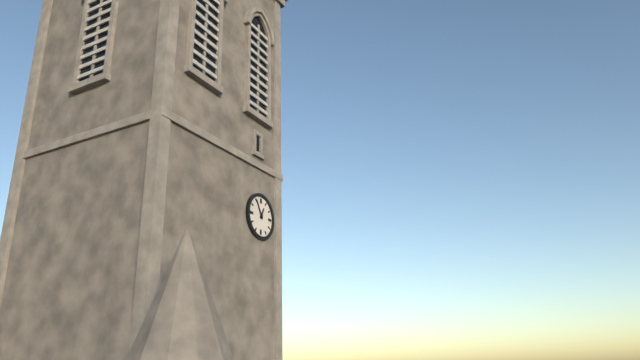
12.55
